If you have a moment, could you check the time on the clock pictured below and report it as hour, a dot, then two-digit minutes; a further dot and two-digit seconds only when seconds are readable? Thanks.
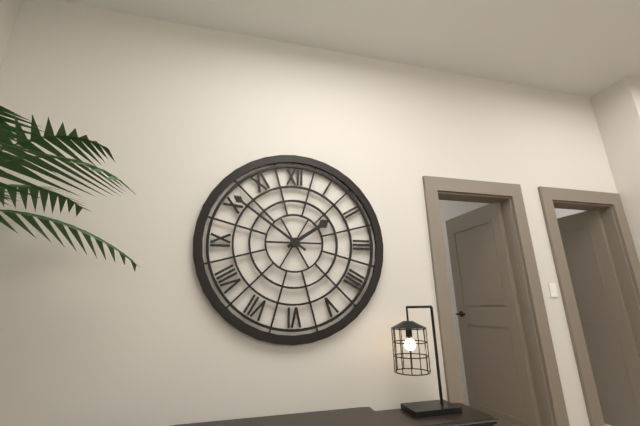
1.51
